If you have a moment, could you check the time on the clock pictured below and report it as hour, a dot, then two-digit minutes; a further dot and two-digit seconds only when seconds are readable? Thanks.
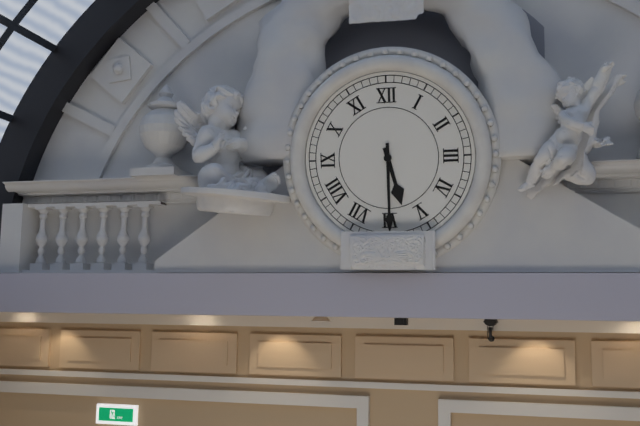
5.30
